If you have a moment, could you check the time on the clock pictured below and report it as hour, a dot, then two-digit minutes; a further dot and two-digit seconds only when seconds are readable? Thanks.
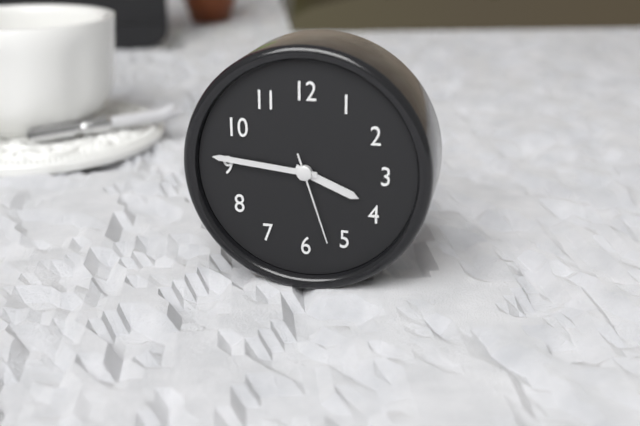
3.46.27
